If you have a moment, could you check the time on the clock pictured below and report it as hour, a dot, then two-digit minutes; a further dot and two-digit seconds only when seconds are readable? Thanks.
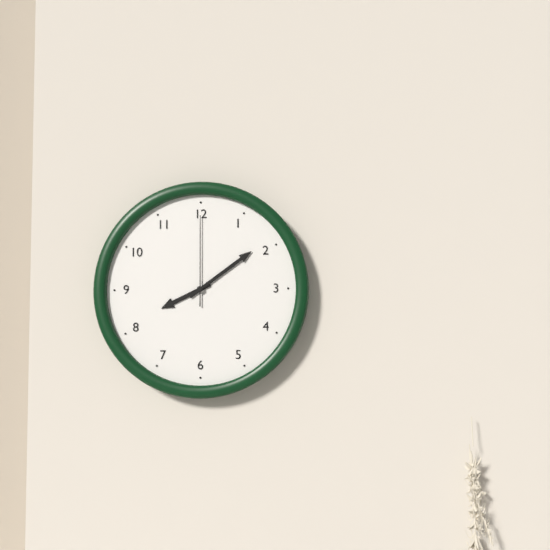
8.09.00
